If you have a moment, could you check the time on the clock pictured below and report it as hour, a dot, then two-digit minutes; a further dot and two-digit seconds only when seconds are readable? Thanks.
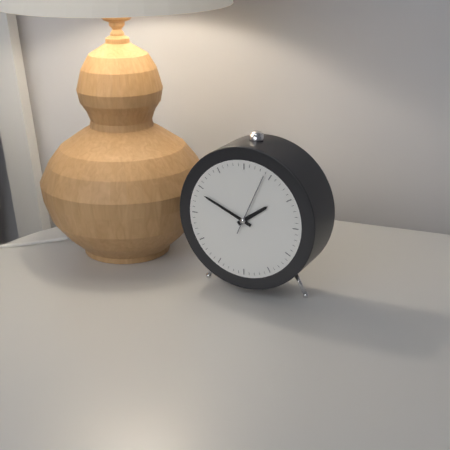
1.49.04
